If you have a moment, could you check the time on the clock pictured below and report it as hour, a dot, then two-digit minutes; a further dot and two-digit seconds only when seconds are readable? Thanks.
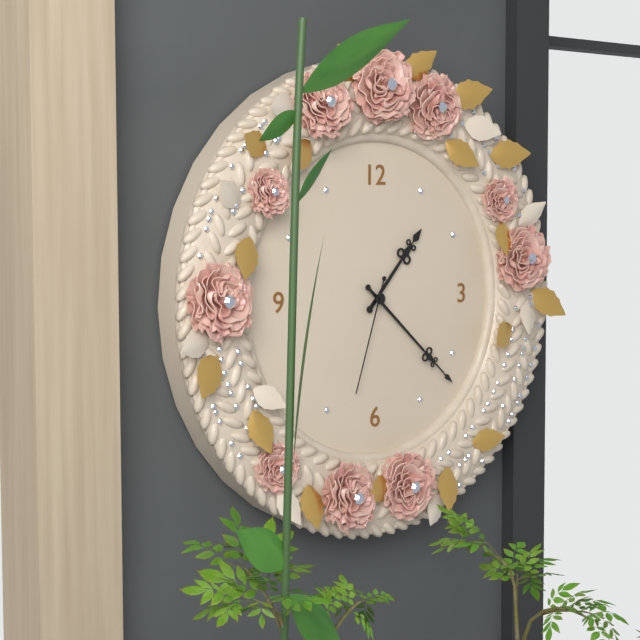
1.22.33
